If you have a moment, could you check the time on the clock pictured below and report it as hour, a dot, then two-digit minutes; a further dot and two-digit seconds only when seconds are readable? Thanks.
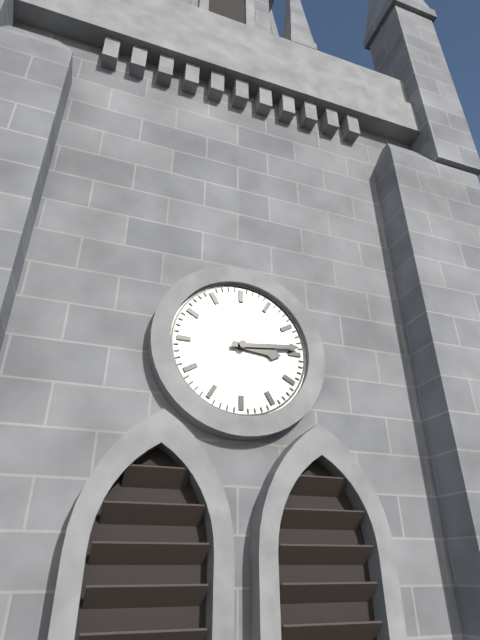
3.14
